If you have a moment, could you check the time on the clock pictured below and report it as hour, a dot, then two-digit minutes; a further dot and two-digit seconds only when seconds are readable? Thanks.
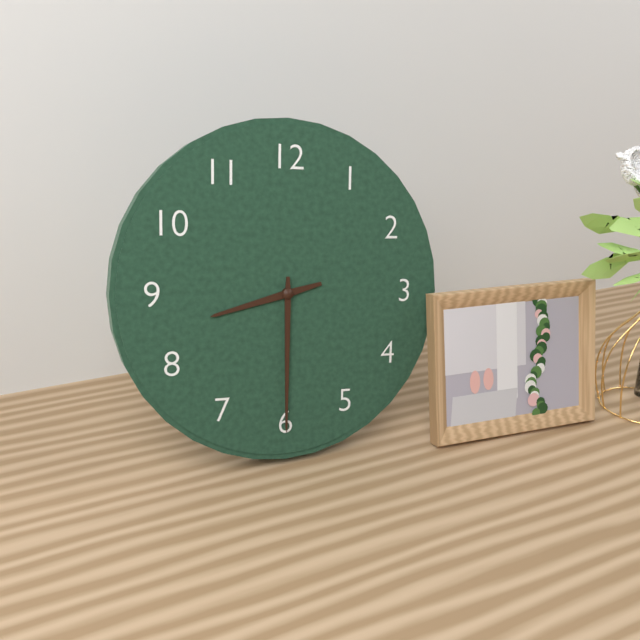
8.30
